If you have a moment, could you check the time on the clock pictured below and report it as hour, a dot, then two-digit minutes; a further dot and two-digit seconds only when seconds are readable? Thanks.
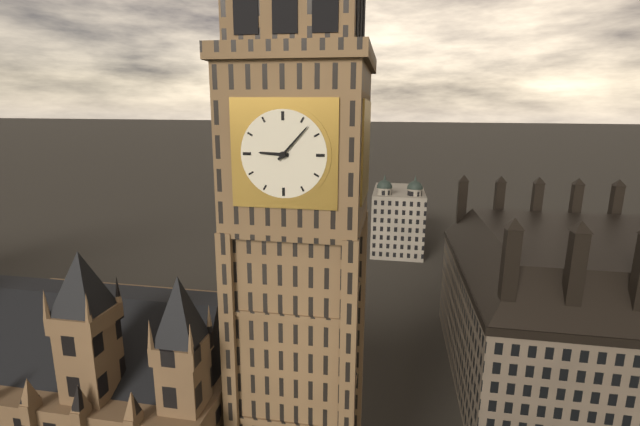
9.07
